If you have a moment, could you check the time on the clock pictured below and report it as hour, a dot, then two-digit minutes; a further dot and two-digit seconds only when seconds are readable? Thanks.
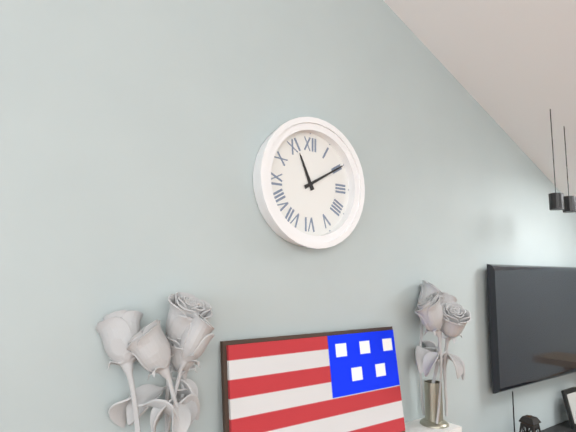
11.10
